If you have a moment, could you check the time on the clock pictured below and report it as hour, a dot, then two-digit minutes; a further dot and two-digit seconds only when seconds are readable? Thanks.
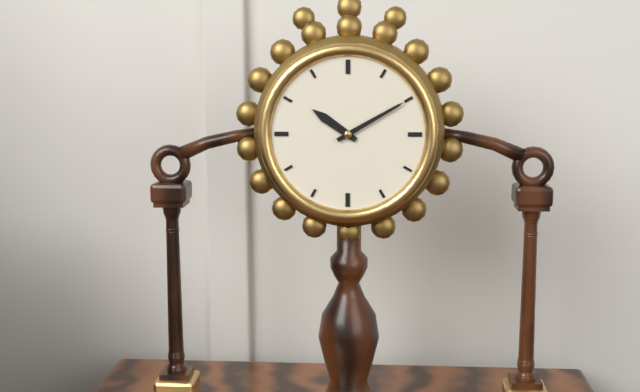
10.10
